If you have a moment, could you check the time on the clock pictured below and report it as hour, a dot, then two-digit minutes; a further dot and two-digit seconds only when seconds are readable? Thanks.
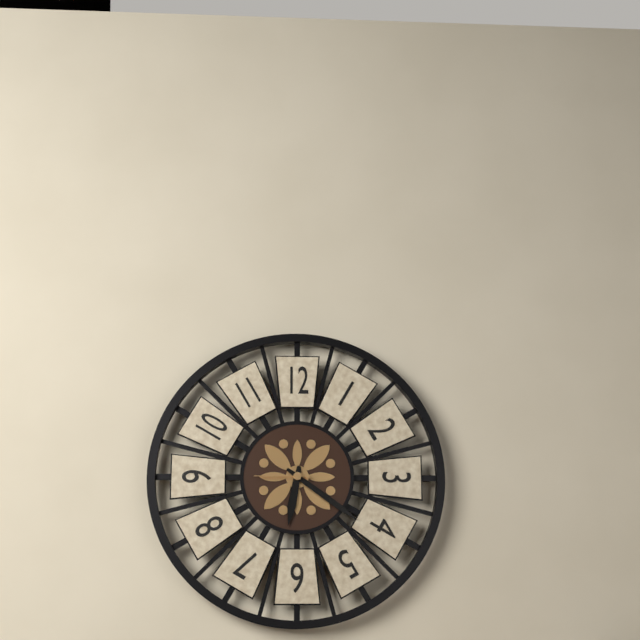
6.21.45
